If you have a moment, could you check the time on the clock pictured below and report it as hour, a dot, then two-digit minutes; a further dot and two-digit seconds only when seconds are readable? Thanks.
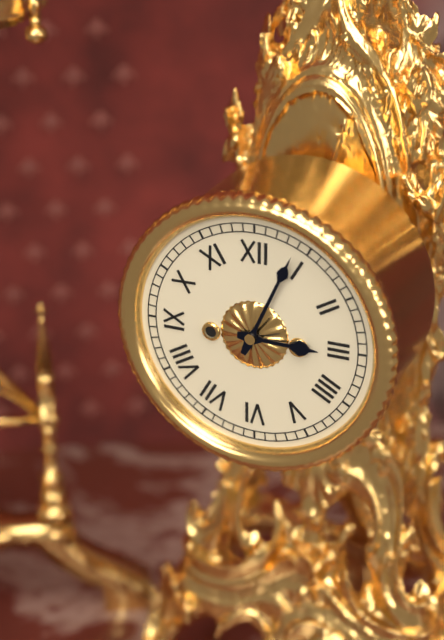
3.04
